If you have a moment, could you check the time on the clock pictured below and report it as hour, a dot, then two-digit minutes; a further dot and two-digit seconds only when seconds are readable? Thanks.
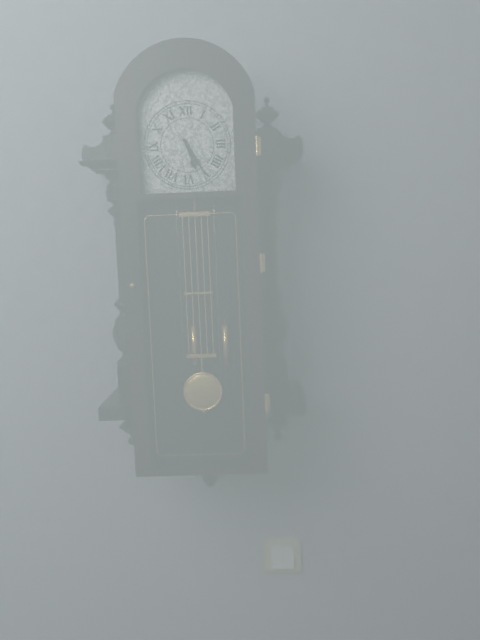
5.25
